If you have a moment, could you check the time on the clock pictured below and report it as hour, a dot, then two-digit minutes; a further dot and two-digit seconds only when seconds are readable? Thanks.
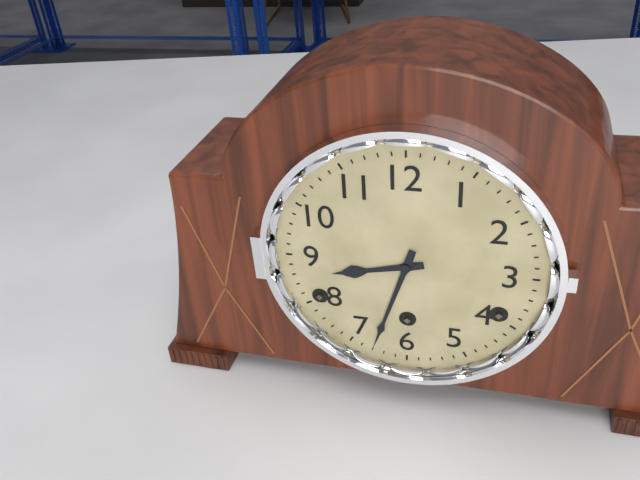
8.33
